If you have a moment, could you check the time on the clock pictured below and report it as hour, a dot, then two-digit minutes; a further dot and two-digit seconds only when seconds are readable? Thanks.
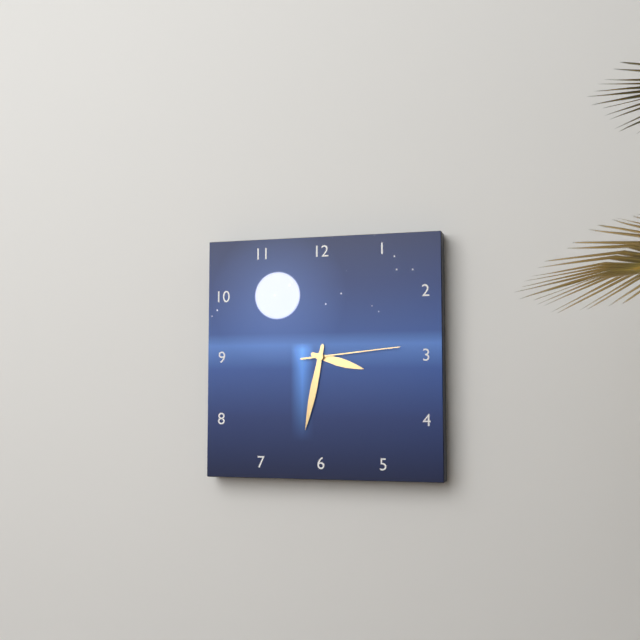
3.32.14
